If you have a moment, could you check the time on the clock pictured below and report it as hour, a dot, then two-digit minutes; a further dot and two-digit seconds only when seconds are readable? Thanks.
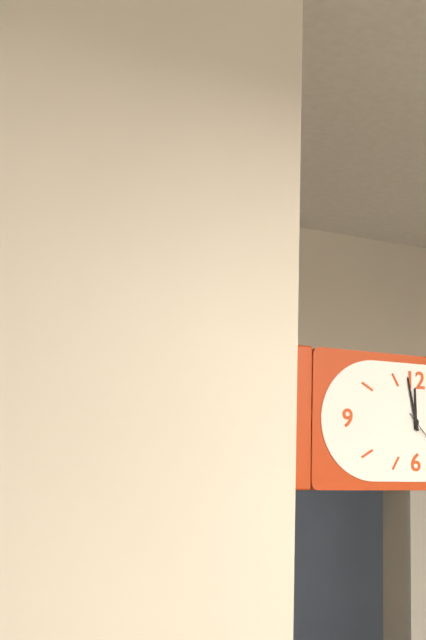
11.58
